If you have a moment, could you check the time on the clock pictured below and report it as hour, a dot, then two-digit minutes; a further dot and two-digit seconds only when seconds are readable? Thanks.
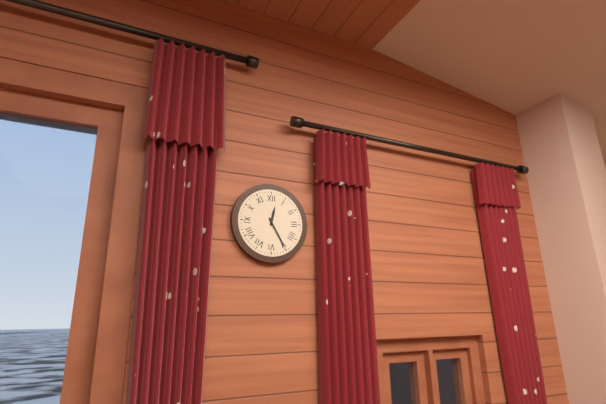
12.25
